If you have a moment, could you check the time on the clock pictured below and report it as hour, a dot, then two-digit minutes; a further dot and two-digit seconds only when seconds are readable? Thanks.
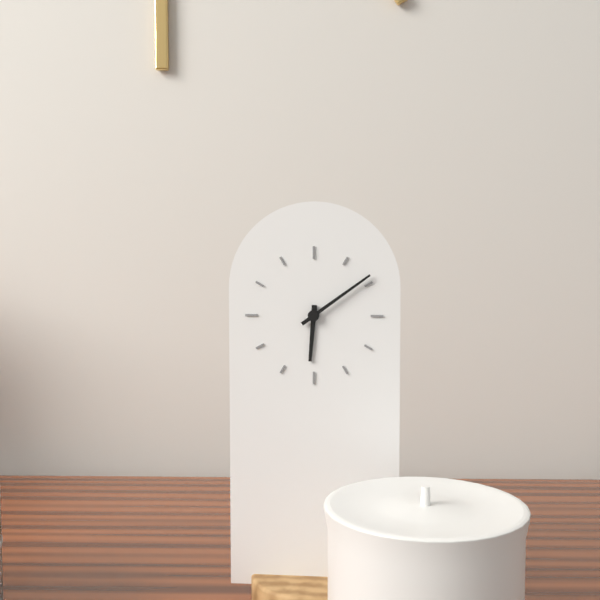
6.09
